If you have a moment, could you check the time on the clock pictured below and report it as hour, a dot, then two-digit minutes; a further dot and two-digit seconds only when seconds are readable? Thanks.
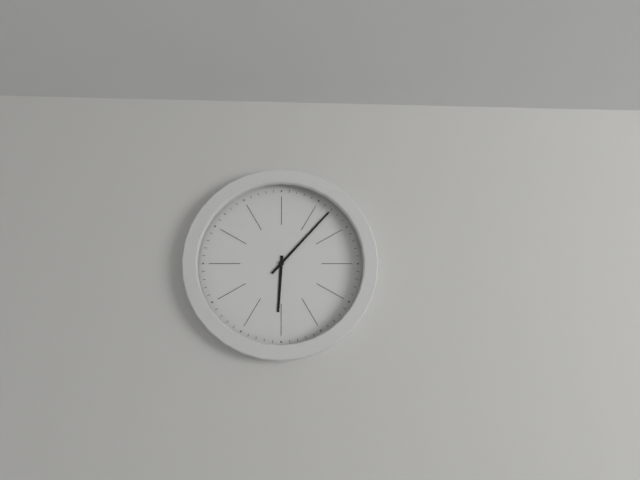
6.07
